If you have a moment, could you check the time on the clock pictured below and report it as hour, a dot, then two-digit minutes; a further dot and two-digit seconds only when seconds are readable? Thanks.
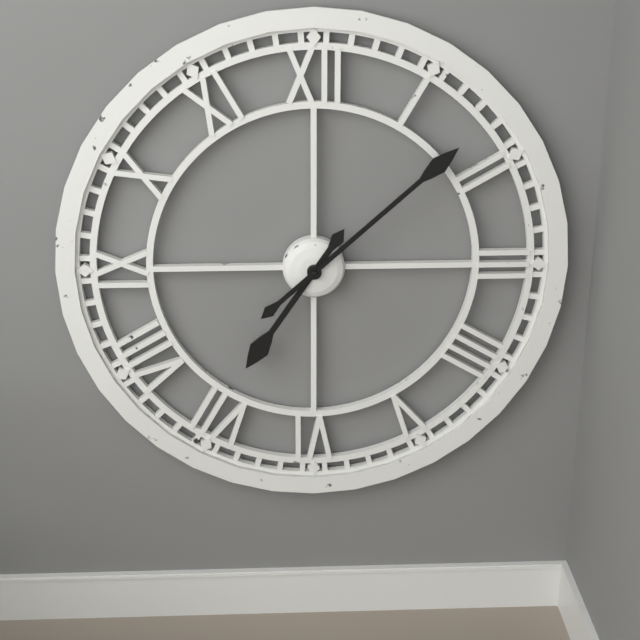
7.08
